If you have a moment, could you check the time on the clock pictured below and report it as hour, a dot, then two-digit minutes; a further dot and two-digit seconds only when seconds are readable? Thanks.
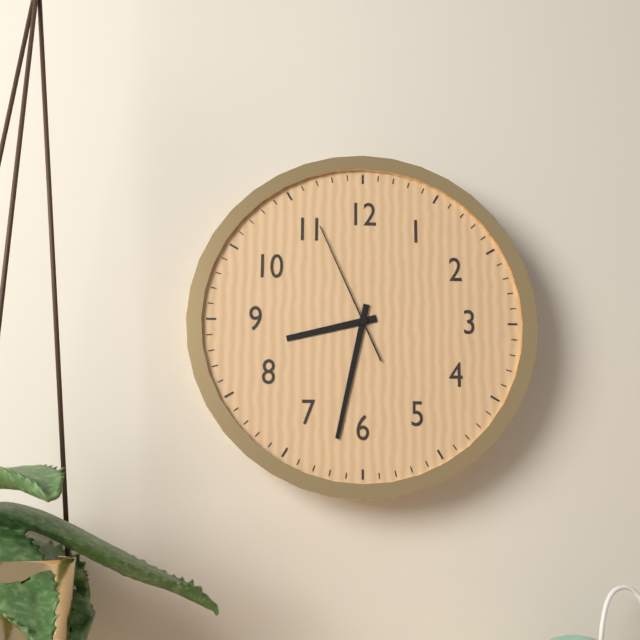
8.32.56
